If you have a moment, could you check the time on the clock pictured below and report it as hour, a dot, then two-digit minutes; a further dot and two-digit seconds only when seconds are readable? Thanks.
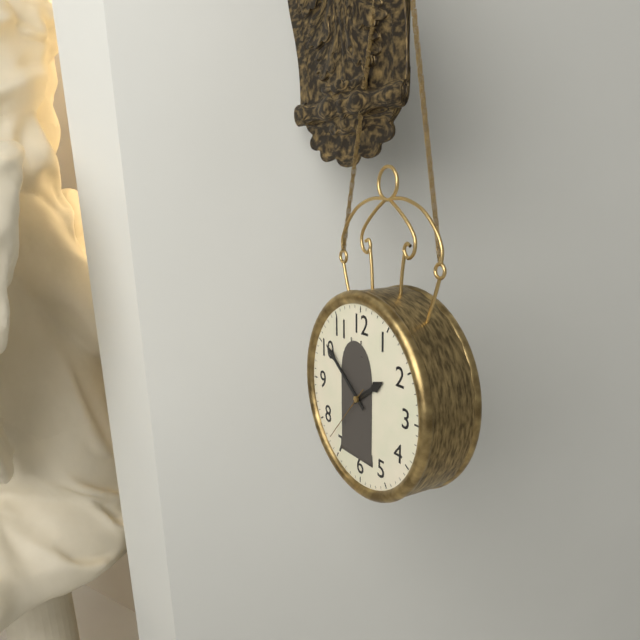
1.51.37
